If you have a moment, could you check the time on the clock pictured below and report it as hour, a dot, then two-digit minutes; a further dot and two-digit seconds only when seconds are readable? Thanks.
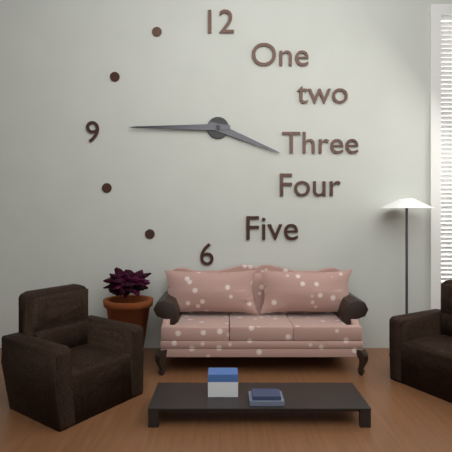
3.45
